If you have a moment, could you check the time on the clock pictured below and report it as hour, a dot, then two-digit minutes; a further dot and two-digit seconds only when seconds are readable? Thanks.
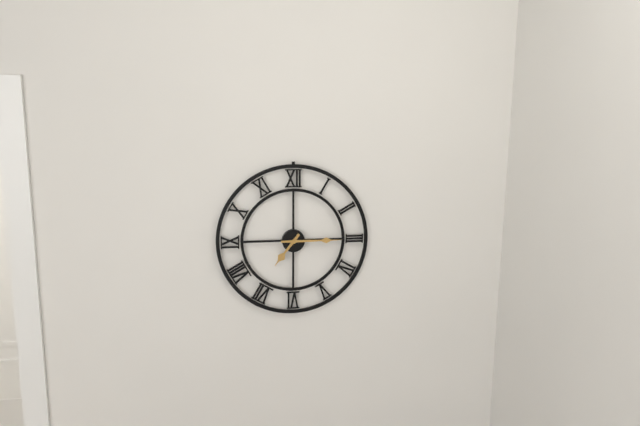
7.15
